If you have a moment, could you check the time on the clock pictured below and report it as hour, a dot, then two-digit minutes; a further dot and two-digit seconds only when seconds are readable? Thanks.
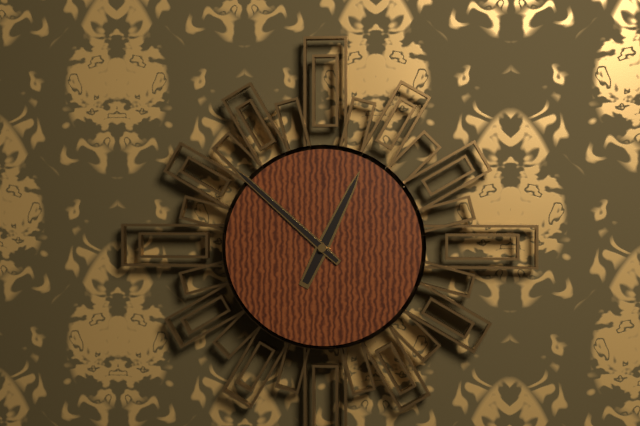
12.52
